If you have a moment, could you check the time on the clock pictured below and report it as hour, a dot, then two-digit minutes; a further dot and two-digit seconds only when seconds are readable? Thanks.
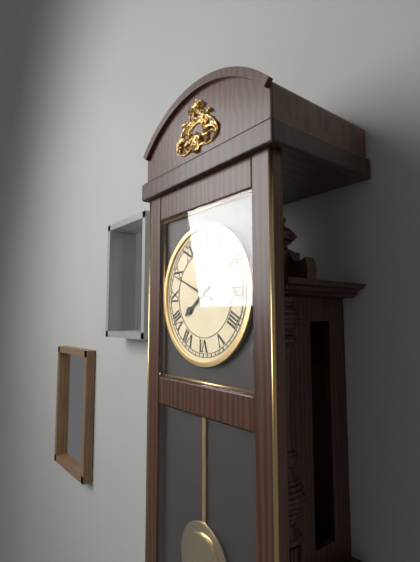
7.49
